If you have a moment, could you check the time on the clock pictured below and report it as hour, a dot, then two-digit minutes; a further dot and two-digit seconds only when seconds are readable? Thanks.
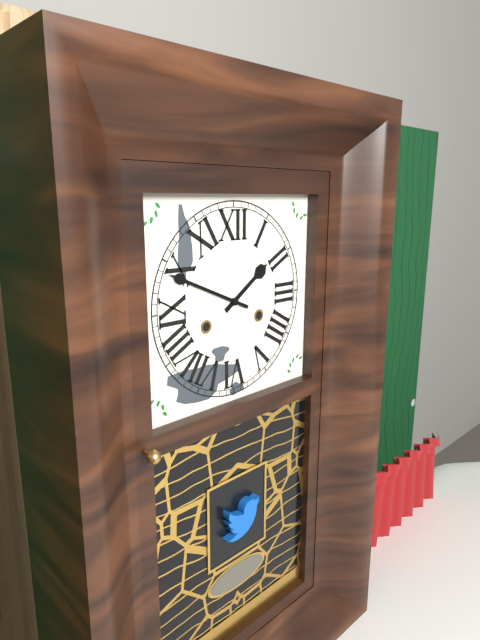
1.49
